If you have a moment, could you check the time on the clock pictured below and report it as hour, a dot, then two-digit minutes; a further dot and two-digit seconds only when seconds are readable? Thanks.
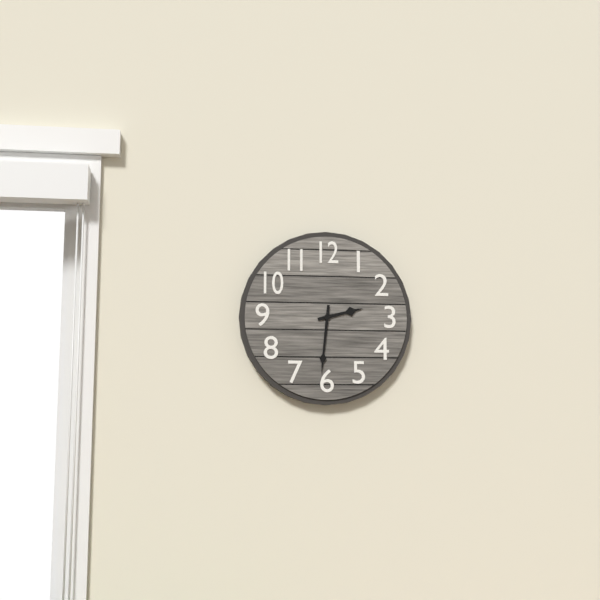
2.31
